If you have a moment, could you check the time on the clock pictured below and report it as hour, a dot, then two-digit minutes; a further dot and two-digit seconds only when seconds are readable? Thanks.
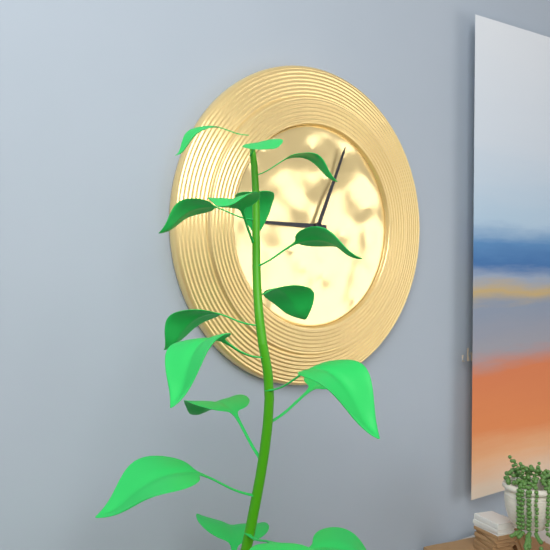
9.04
